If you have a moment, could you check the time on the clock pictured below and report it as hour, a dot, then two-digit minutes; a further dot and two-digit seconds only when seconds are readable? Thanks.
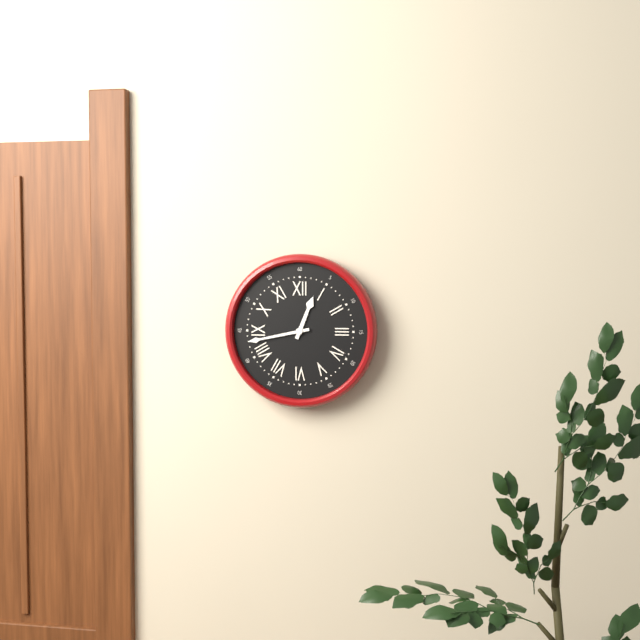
12.43
